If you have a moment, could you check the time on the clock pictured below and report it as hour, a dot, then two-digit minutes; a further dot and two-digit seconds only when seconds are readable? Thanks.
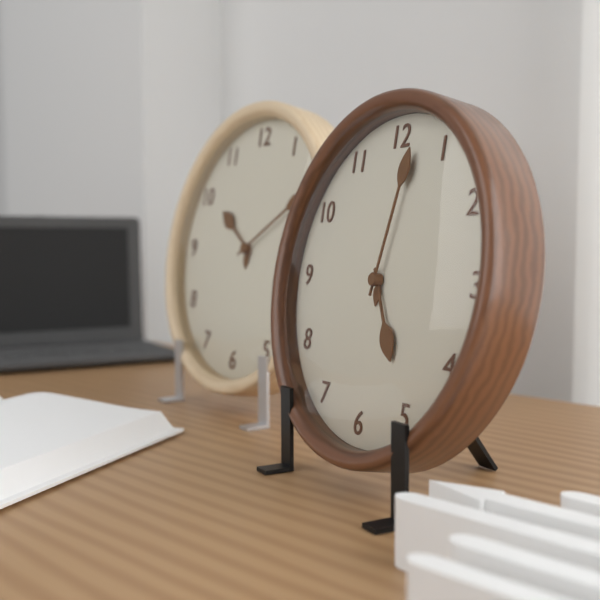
5.02
